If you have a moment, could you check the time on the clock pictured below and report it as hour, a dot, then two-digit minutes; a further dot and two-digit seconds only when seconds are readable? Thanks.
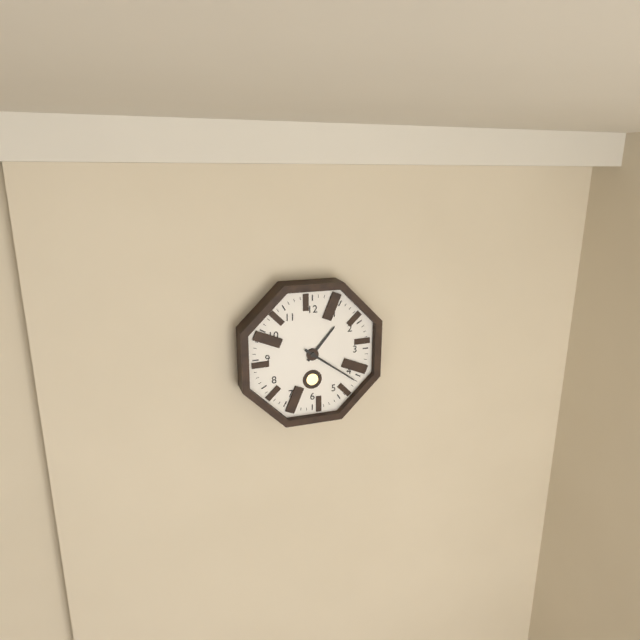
1.21
